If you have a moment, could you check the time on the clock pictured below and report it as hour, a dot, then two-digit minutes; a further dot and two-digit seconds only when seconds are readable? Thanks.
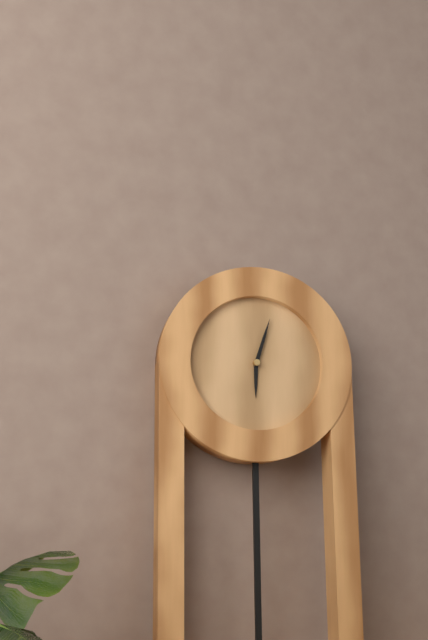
6.03
